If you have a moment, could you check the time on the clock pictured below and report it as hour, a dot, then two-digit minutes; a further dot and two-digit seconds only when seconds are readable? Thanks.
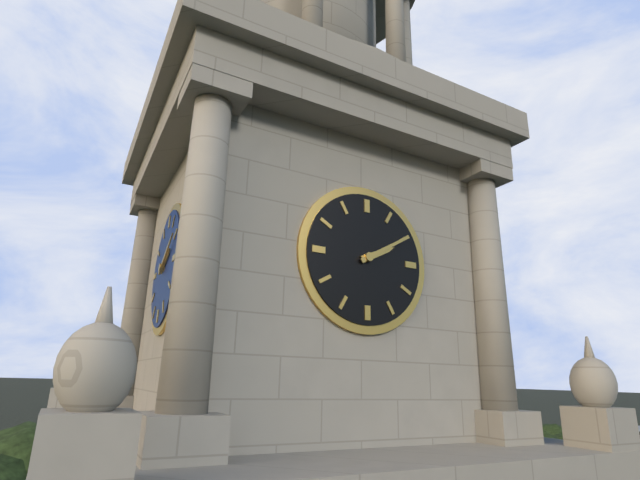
2.10
